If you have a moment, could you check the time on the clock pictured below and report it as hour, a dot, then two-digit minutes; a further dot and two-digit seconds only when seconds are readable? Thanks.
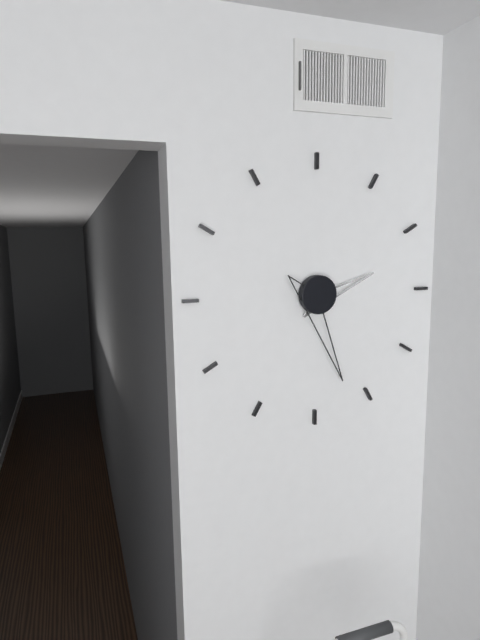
2.27
